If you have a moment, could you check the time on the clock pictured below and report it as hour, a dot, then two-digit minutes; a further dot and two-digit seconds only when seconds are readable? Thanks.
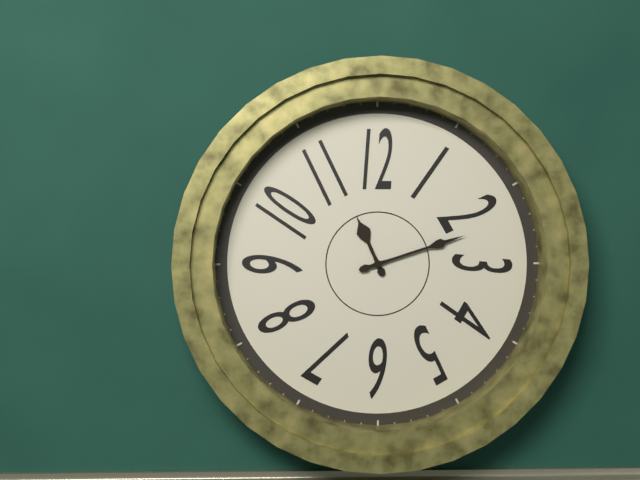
11.12
